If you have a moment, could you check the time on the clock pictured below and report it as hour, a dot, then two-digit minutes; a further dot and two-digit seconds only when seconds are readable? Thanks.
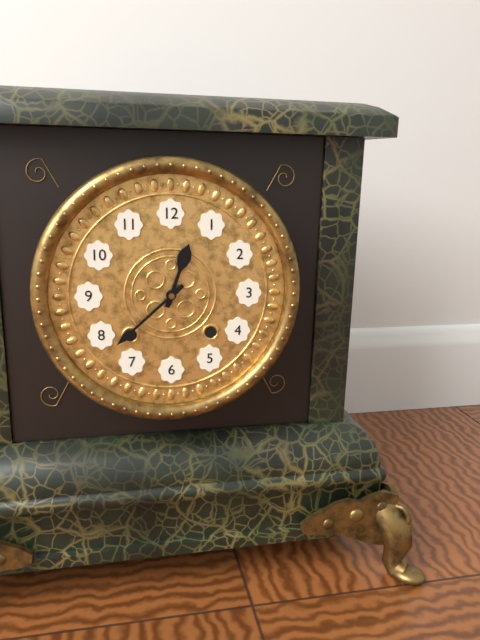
12.38
